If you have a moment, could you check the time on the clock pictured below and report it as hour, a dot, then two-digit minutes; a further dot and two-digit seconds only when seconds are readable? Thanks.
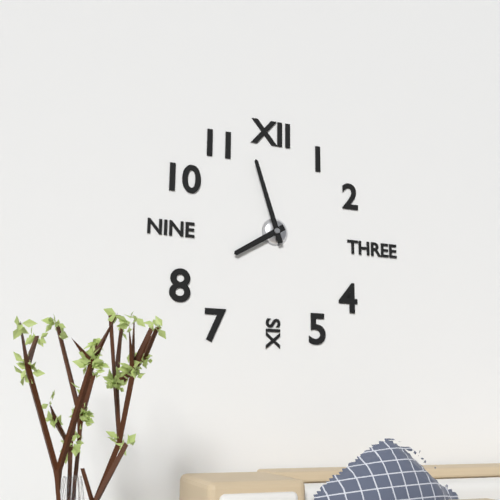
7.57
